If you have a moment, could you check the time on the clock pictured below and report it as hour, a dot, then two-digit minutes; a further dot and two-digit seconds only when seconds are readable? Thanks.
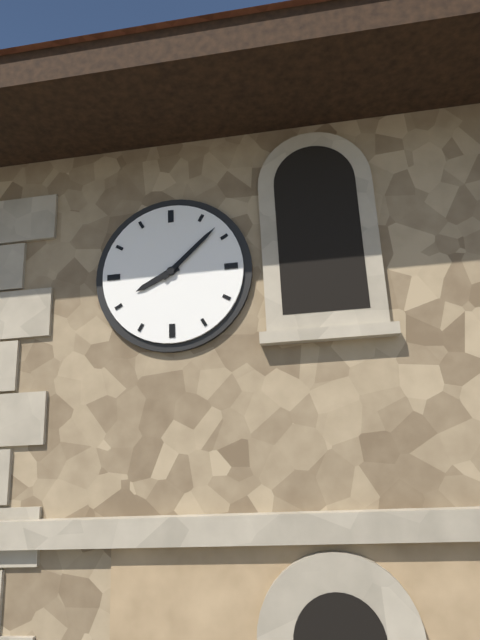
8.08
